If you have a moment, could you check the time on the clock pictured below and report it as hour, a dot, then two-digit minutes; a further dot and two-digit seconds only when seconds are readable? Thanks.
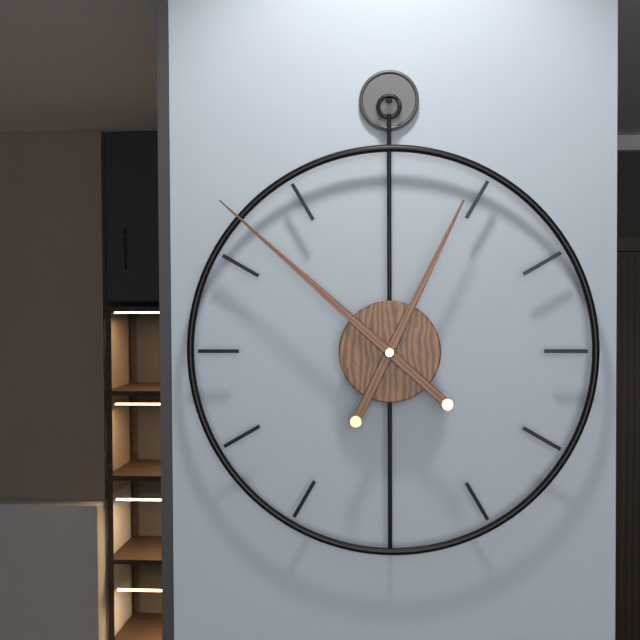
12.52
